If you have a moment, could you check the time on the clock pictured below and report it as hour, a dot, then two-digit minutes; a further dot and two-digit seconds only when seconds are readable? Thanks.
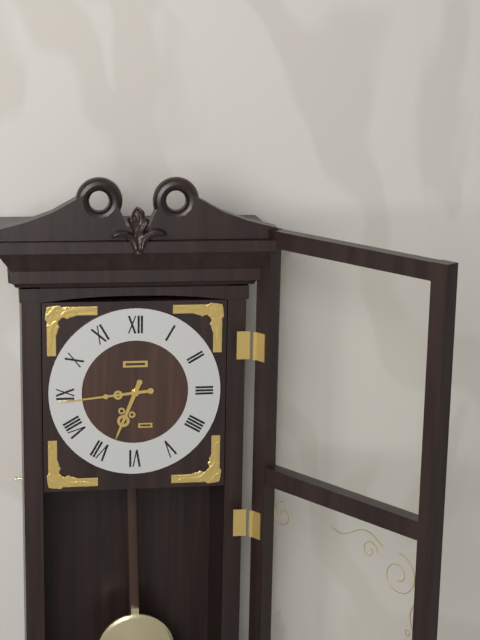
6.44
